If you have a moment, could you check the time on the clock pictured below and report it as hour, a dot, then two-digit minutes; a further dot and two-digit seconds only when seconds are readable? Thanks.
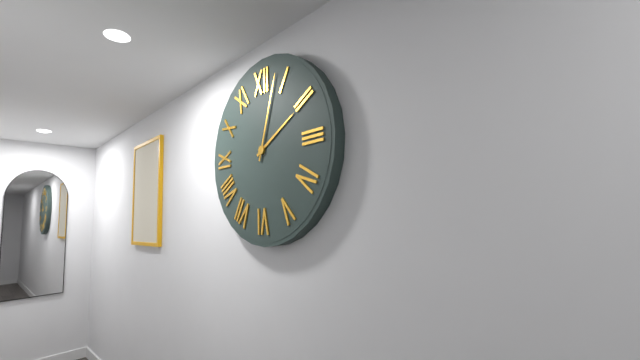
2.03
